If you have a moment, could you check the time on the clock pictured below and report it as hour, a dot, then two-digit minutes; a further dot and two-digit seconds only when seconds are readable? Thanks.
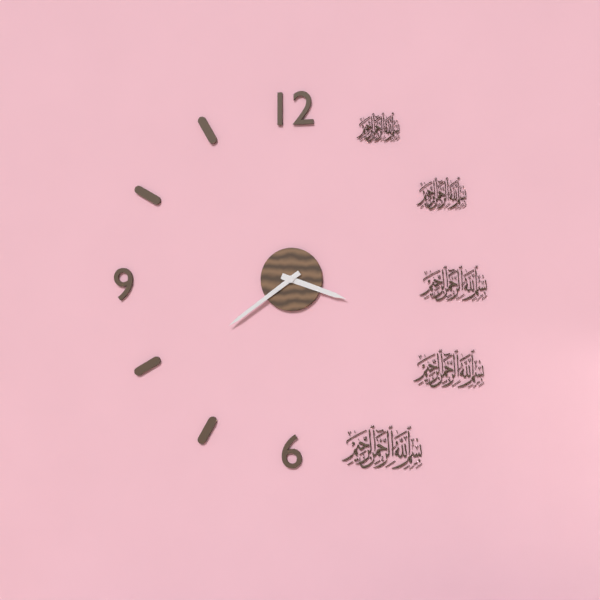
3.39
